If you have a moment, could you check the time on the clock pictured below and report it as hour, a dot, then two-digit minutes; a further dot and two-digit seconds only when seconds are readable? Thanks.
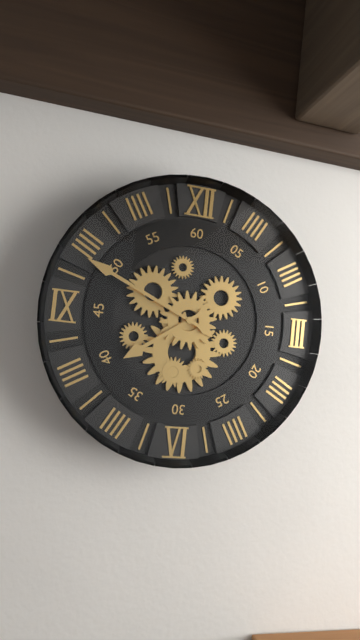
7.49
